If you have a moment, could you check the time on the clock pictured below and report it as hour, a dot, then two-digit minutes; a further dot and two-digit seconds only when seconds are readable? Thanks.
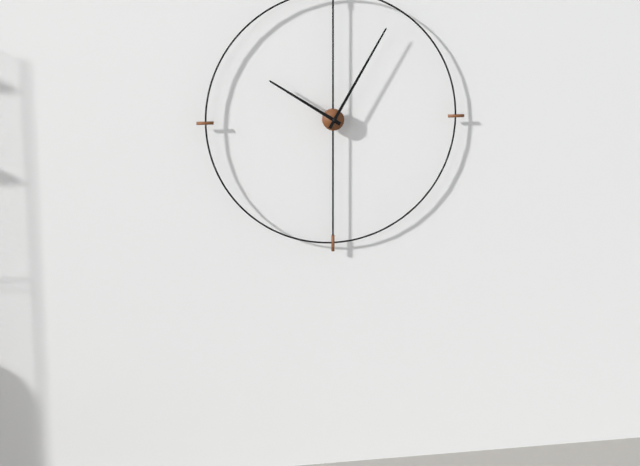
10.05
